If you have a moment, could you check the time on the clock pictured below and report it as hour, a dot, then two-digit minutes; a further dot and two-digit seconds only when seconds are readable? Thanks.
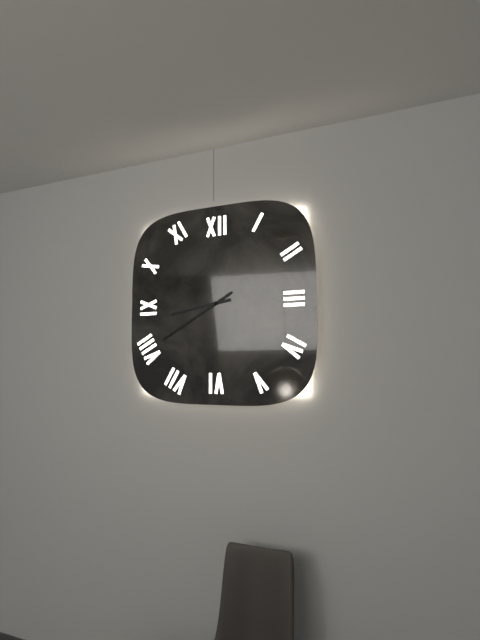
8.40
